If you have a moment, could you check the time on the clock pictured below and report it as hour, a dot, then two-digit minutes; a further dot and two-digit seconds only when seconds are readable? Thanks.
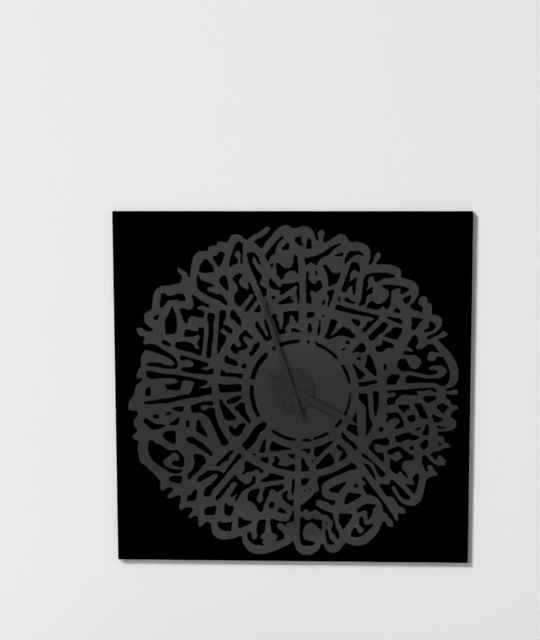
3.57
